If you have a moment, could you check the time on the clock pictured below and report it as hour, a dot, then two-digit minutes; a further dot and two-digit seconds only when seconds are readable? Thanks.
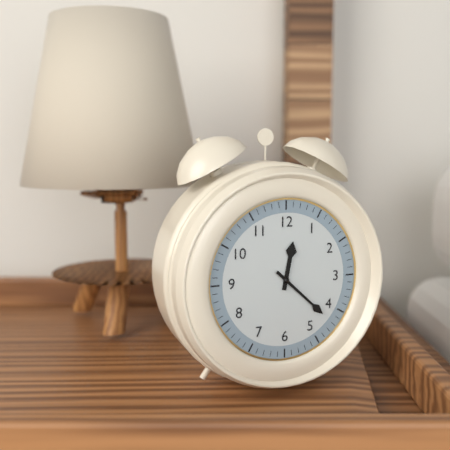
12.22
